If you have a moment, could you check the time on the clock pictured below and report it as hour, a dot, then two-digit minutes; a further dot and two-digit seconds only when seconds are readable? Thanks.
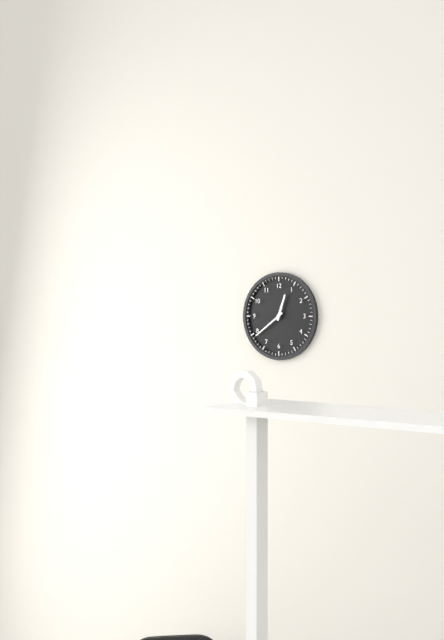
12.39
